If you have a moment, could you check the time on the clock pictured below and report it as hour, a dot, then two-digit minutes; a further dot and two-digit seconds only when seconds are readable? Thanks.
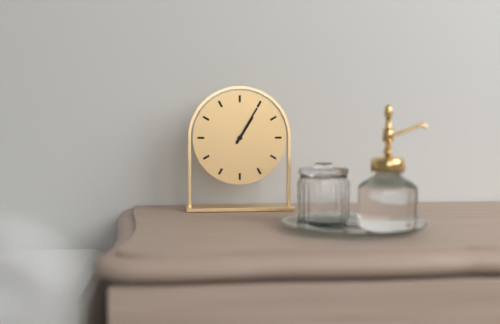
1.05
